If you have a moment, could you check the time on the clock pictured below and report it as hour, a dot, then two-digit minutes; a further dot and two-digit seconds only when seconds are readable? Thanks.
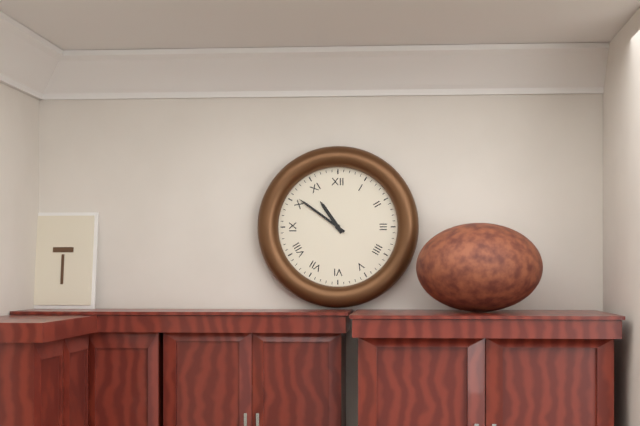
10.51
